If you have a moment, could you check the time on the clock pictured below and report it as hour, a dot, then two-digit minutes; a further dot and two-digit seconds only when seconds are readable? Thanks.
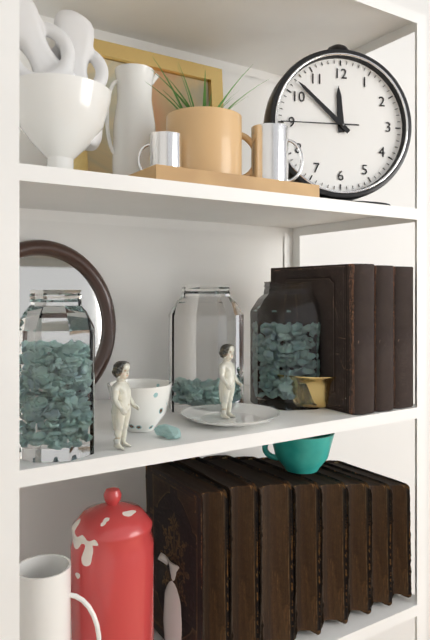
11.52.45
